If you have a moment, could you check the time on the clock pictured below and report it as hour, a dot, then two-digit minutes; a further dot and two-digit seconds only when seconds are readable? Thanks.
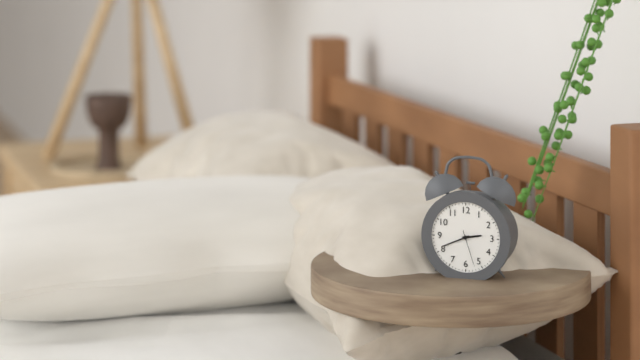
2.41
